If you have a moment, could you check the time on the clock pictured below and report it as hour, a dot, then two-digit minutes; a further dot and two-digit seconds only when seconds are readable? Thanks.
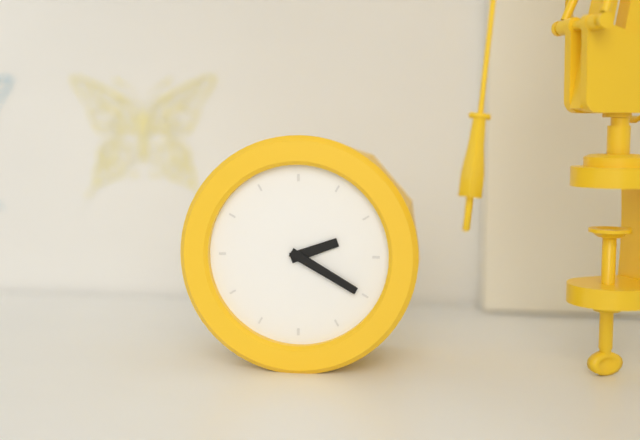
2.20
